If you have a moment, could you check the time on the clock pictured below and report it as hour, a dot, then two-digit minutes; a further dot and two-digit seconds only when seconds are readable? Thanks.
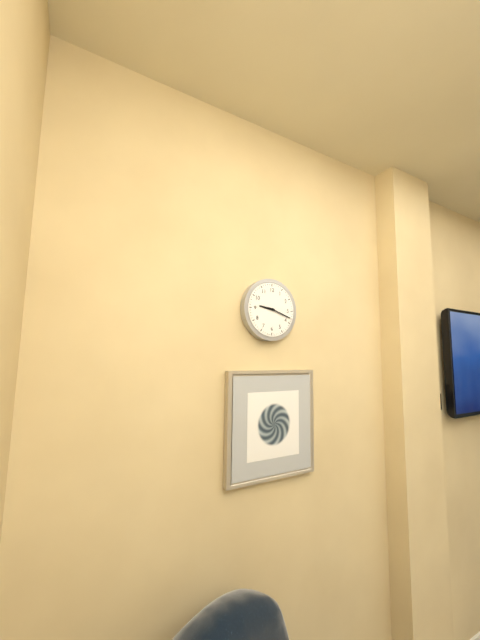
9.18
